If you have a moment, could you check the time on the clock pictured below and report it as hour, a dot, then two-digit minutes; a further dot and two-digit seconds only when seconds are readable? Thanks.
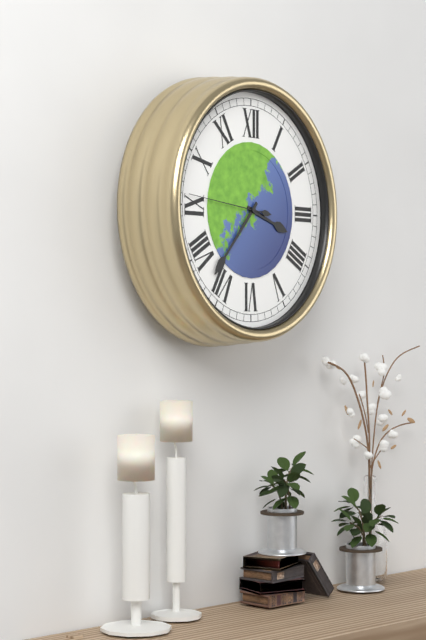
3.37.46
